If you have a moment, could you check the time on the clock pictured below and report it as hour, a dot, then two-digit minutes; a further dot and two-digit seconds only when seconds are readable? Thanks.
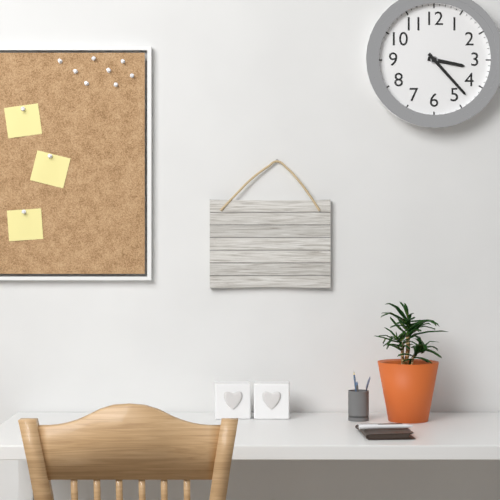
3.23
